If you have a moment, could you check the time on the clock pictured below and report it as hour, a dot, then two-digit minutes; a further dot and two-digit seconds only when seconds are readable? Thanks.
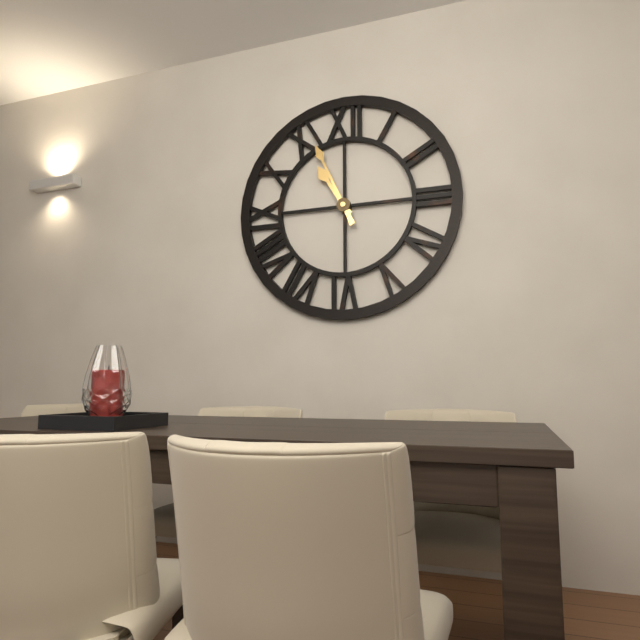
10.56
